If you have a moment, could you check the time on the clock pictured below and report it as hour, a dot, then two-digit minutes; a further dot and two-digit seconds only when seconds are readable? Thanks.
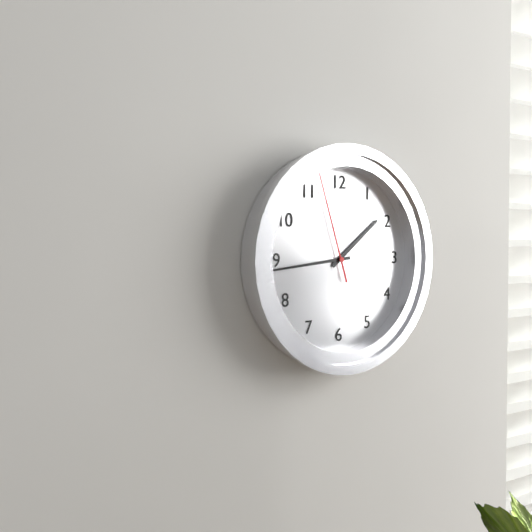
1.44.57
